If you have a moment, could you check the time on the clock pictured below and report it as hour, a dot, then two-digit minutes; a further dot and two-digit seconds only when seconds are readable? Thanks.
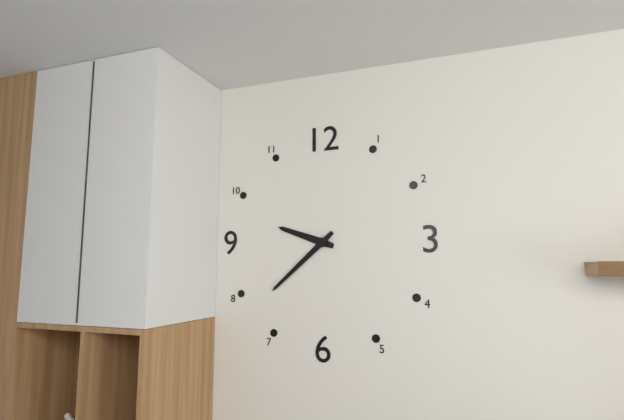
9.38
